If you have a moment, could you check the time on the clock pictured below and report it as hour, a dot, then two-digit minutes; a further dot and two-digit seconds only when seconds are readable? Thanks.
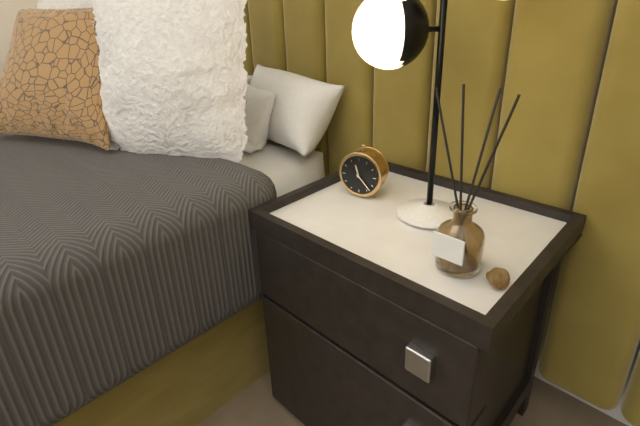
11.23
